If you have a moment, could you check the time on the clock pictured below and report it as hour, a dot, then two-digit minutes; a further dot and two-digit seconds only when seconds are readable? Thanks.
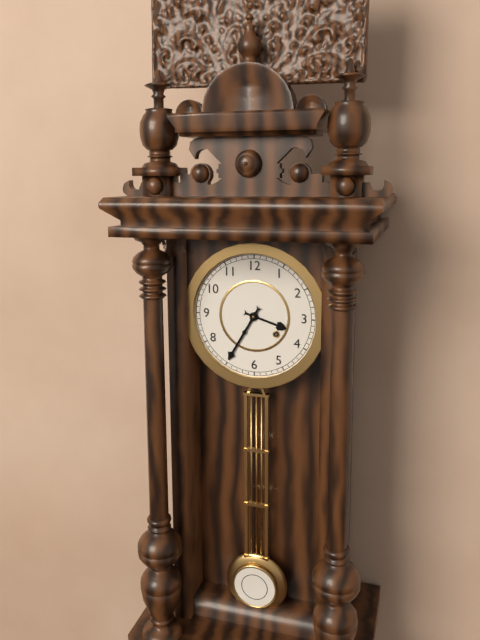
3.35
